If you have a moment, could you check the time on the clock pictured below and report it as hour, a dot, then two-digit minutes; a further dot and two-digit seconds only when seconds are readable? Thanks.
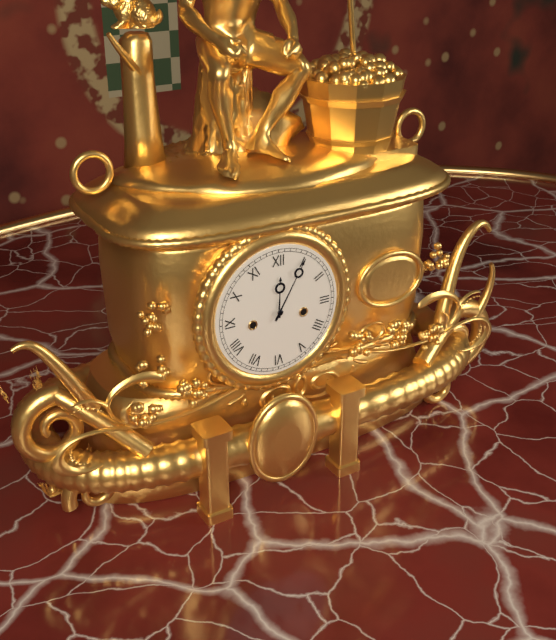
12.05
